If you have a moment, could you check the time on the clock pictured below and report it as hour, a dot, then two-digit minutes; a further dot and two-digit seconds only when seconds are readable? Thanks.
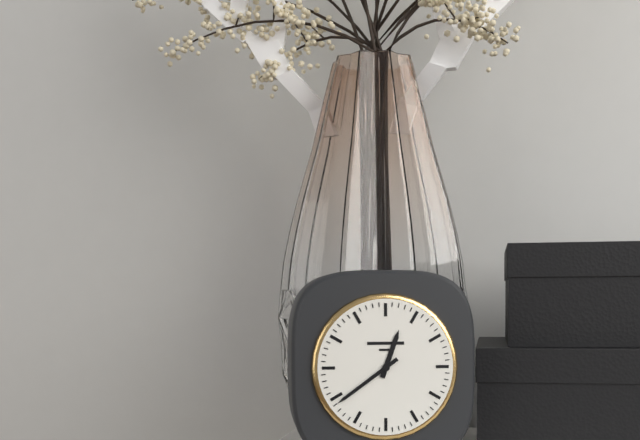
12.39
